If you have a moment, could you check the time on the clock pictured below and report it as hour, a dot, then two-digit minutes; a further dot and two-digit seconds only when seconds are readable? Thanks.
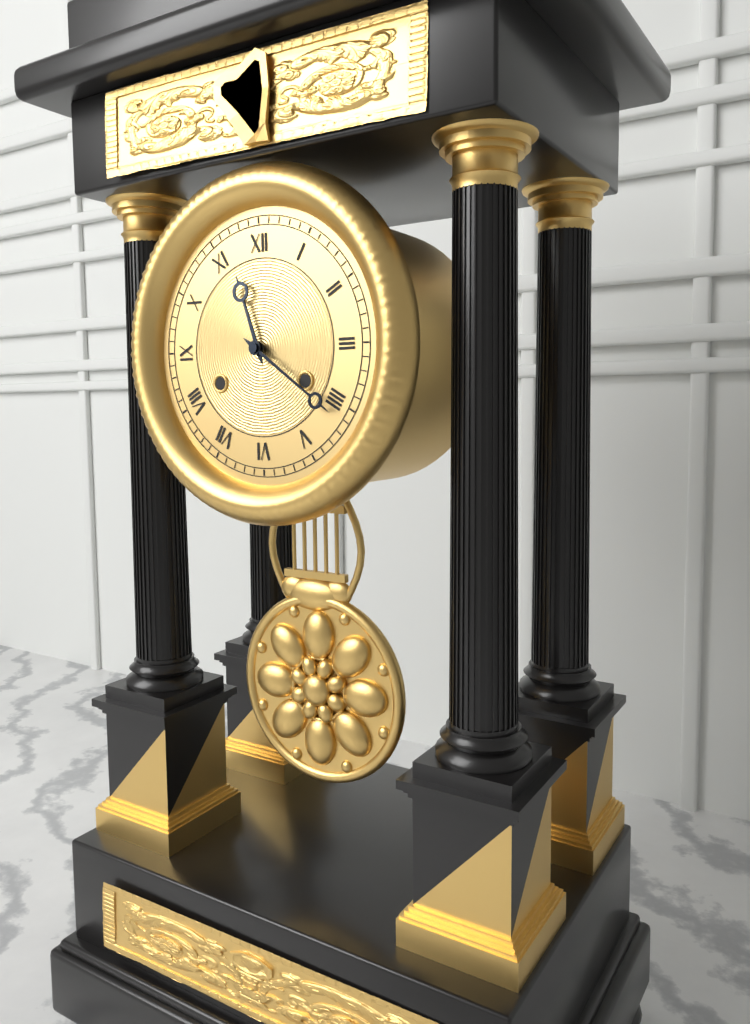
11.21
